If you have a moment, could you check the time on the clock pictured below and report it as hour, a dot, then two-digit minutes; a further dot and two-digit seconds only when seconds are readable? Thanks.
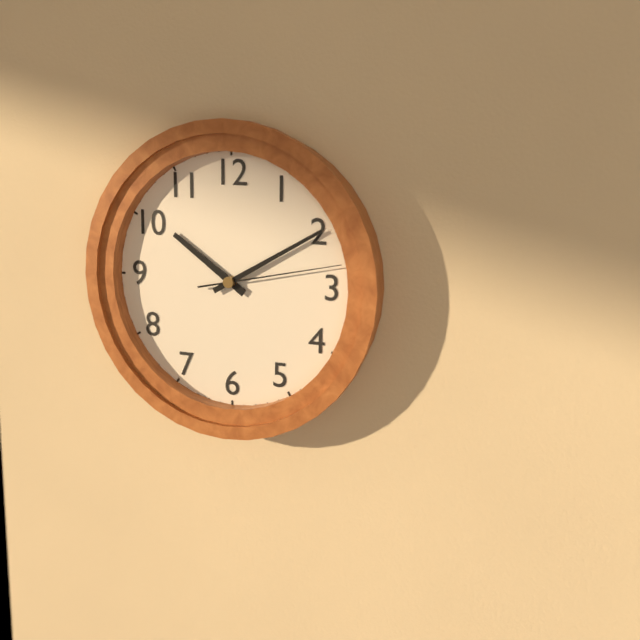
10.10.13
